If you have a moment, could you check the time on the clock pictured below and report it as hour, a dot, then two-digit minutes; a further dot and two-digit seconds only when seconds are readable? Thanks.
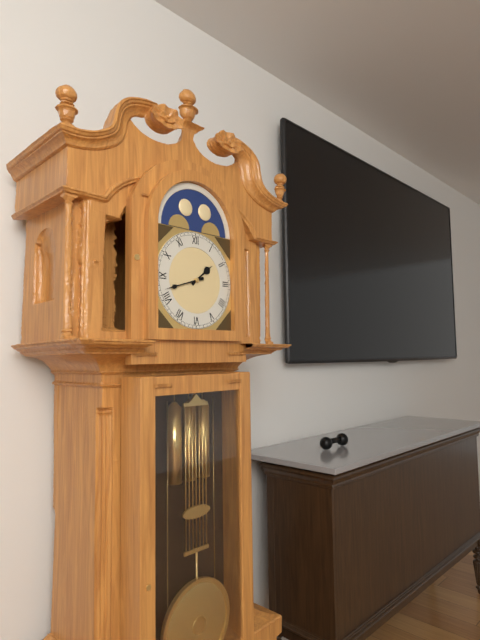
1.42
